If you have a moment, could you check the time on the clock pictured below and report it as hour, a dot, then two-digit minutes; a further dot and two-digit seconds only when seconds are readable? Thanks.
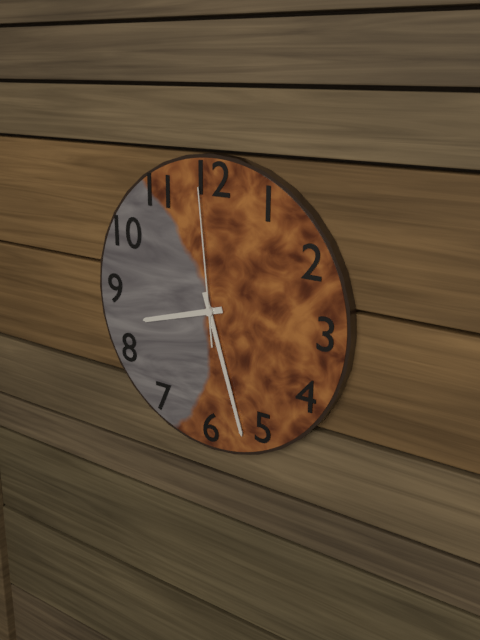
8.27.59
